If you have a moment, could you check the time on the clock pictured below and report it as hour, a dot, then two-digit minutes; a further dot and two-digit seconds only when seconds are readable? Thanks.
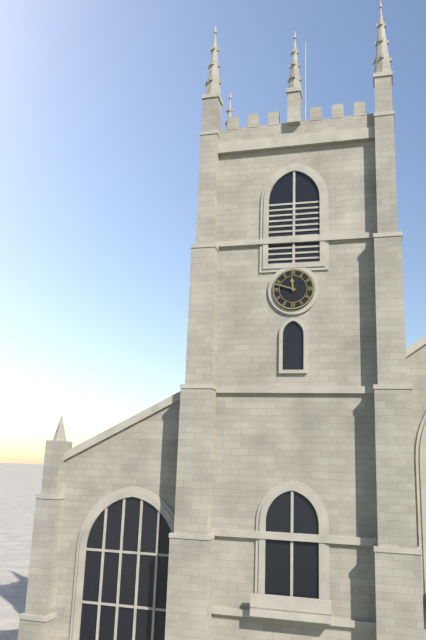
11.48
